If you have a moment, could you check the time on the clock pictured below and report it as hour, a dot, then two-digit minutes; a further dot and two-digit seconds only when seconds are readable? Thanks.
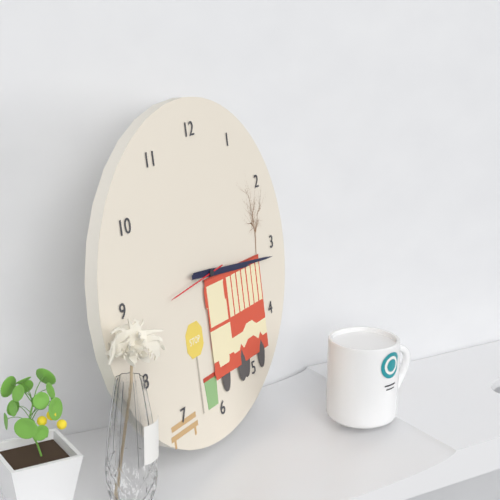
3.16.44
